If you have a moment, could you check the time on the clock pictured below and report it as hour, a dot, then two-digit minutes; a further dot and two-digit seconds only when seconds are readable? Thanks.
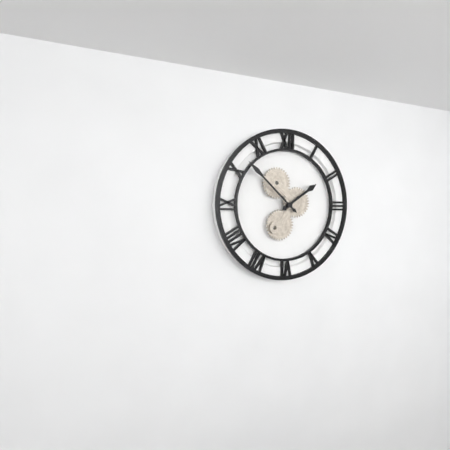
1.52
